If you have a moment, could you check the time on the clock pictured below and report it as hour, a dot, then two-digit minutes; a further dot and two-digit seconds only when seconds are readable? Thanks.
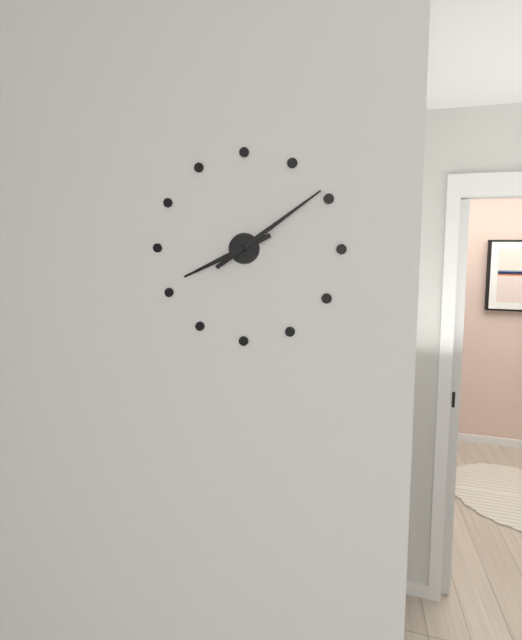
8.09
